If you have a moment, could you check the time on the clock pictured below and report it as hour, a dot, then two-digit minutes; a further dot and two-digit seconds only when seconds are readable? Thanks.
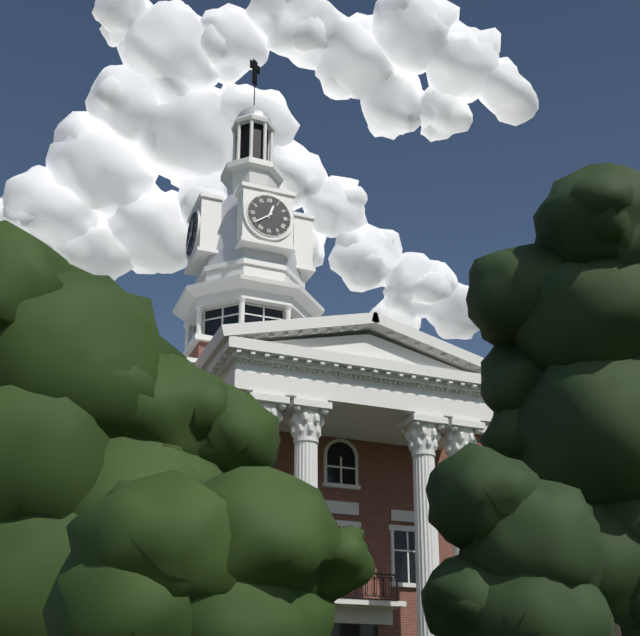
12.39
